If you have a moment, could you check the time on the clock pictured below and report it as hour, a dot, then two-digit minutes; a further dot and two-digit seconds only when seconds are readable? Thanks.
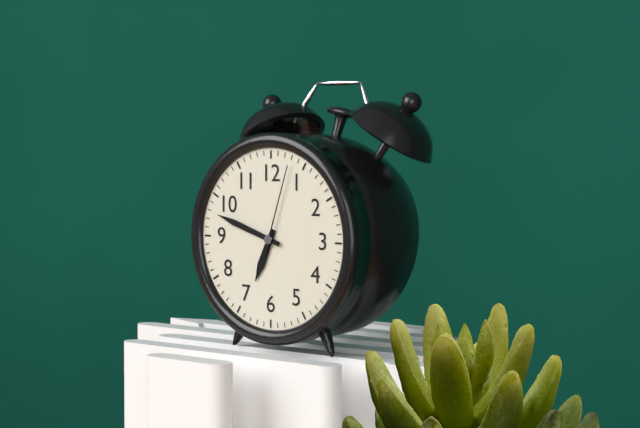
6.48.03
